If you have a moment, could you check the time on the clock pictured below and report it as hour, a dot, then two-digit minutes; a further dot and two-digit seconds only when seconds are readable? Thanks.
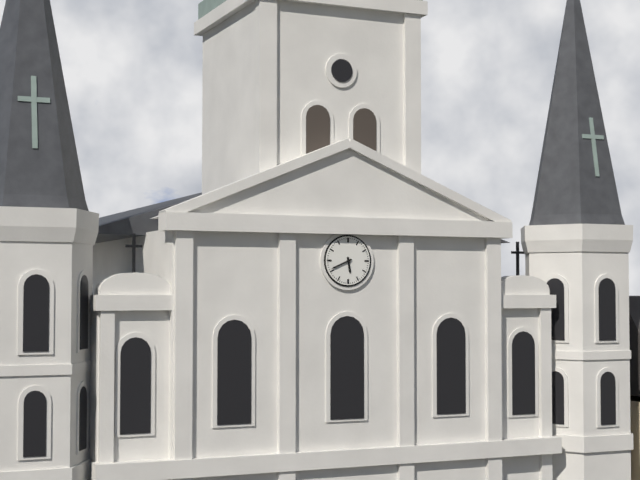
5.41
